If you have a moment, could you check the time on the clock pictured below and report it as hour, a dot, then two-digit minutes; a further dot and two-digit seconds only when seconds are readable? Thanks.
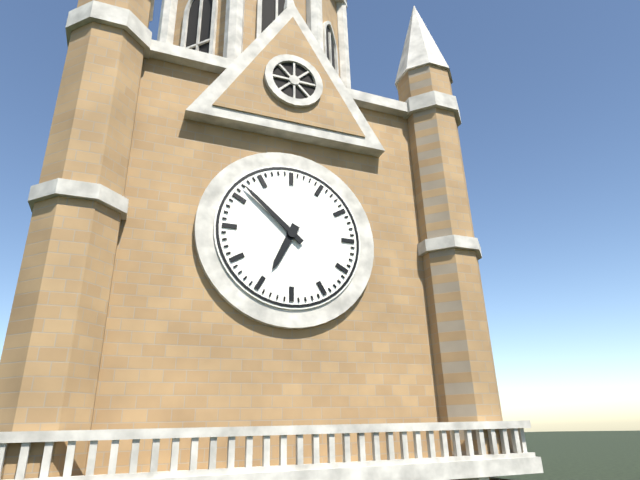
6.52
